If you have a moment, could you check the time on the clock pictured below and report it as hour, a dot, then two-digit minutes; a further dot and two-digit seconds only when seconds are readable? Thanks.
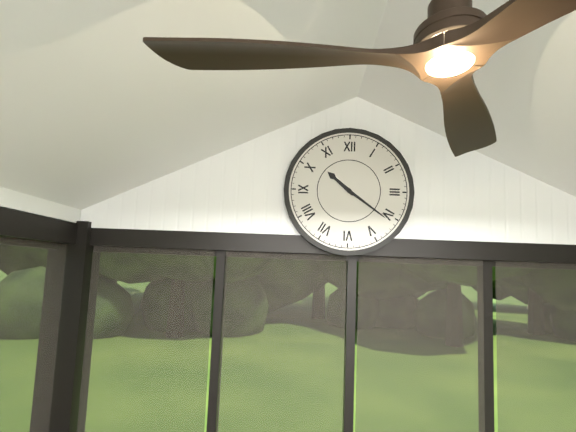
10.21
